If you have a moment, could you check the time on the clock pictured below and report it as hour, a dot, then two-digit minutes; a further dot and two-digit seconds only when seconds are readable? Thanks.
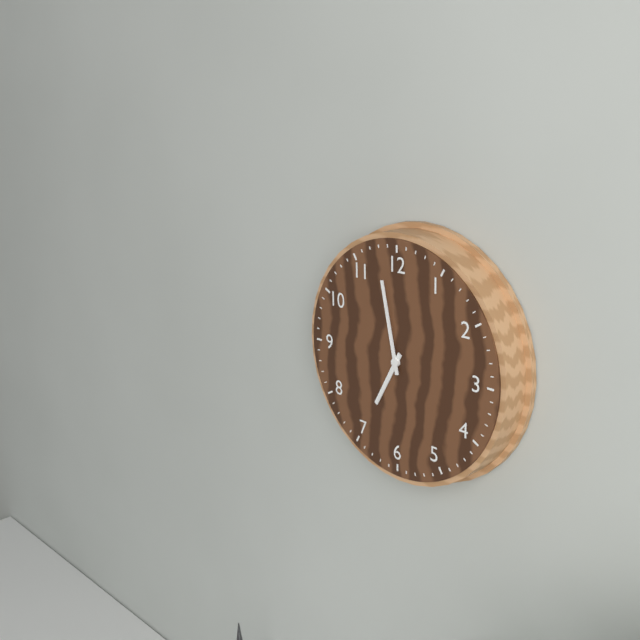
6.58
